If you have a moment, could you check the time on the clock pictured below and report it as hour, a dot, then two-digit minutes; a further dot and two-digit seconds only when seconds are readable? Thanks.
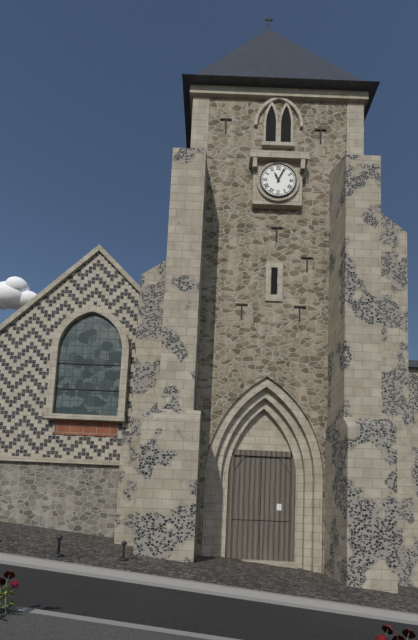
11.04
